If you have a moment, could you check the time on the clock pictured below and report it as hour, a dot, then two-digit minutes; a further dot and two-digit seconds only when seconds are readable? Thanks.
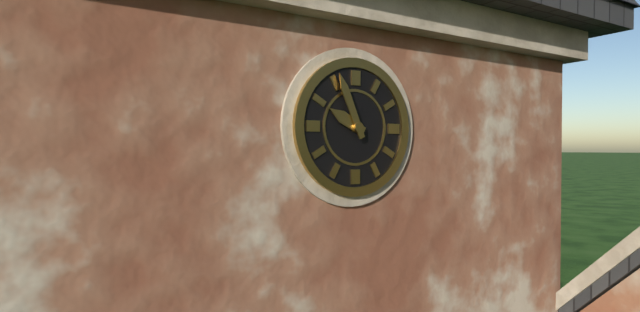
9.56
